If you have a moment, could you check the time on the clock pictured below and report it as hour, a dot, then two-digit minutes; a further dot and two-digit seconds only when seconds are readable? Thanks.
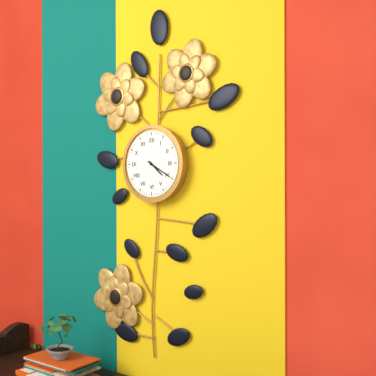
4.20
